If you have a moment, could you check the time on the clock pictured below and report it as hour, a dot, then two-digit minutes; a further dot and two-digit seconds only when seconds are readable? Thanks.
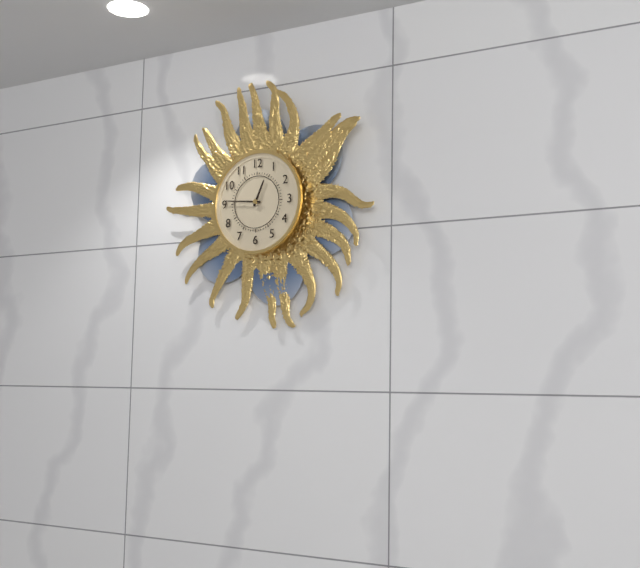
12.46
